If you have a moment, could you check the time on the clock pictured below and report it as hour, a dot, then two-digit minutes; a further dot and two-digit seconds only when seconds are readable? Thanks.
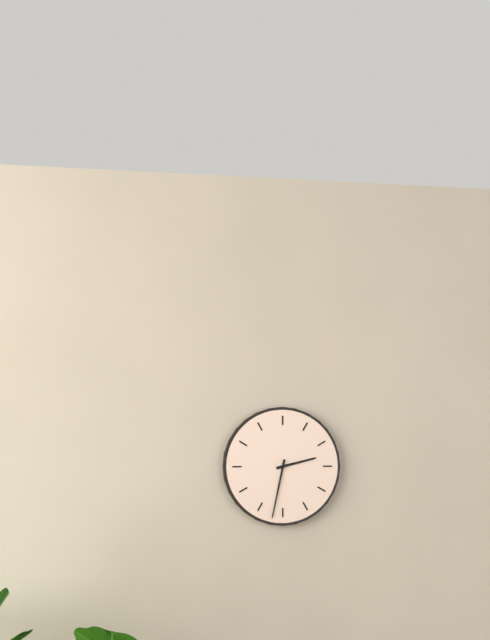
2.32
